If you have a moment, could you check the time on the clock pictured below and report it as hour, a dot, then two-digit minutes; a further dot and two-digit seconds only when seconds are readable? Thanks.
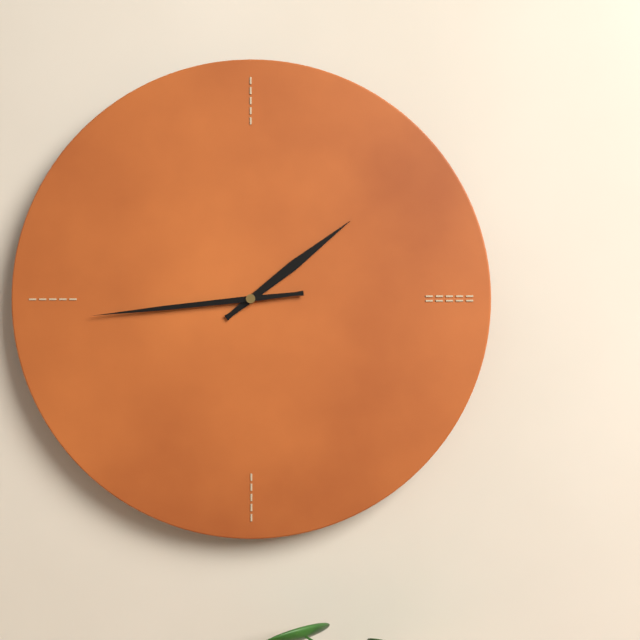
1.44
